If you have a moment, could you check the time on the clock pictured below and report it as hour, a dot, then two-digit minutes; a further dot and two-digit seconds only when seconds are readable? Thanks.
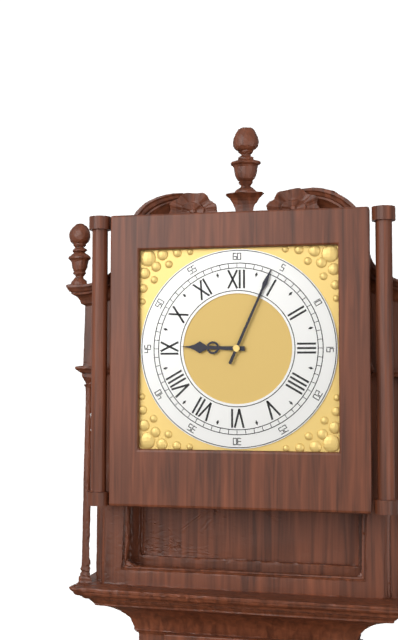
9.04
